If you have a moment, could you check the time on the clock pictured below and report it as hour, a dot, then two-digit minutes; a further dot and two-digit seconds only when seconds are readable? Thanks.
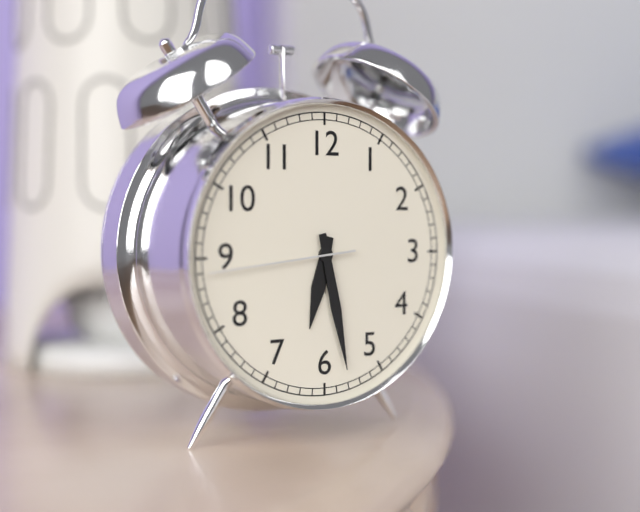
6.28.44
